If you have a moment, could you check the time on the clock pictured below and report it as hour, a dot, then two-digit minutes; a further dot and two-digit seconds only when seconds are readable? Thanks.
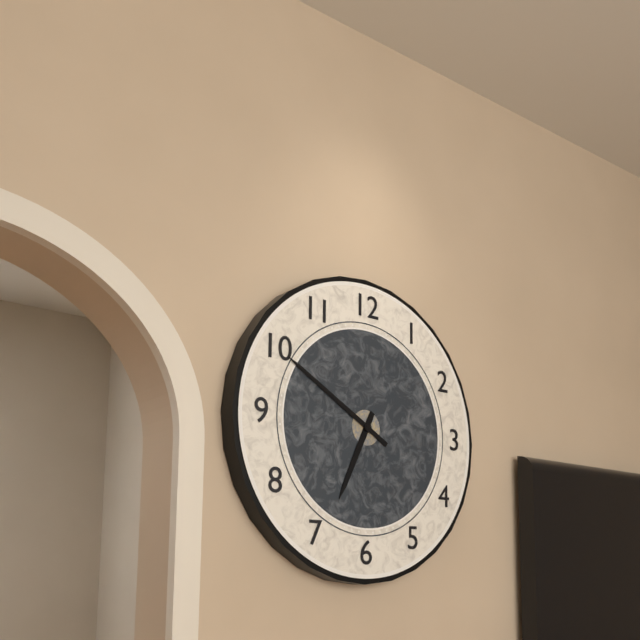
6.50
